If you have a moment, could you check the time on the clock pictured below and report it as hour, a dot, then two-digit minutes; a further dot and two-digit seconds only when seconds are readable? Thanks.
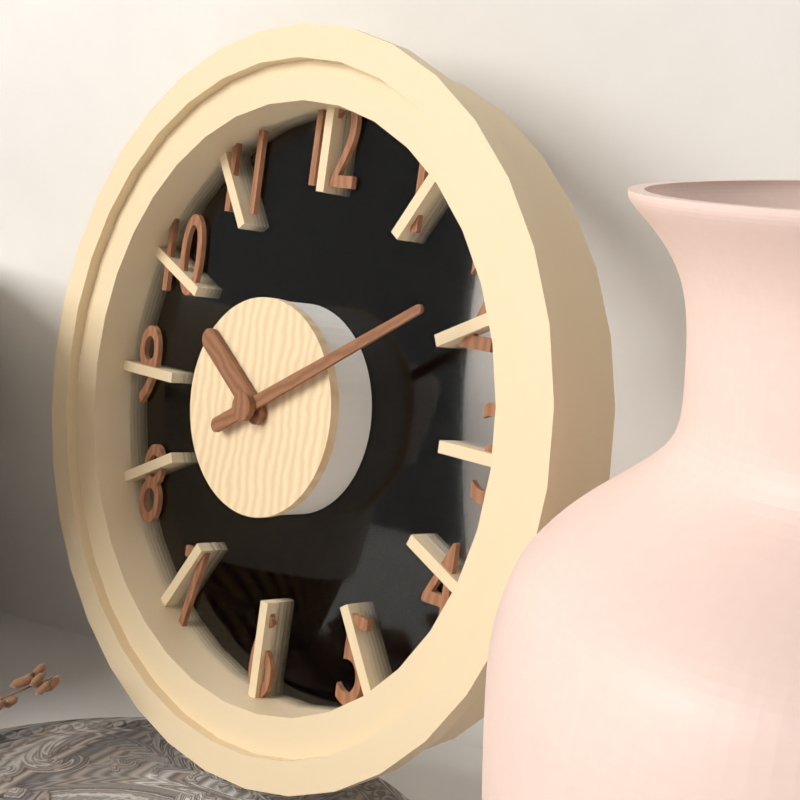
10.10
